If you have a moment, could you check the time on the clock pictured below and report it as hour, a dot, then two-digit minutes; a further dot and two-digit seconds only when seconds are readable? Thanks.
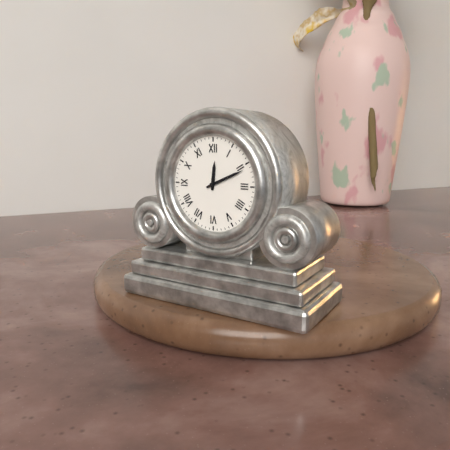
12.11
